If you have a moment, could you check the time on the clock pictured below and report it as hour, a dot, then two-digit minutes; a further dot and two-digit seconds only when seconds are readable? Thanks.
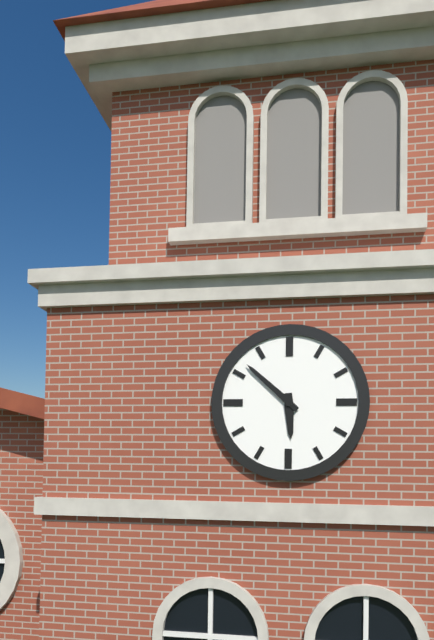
5.52
